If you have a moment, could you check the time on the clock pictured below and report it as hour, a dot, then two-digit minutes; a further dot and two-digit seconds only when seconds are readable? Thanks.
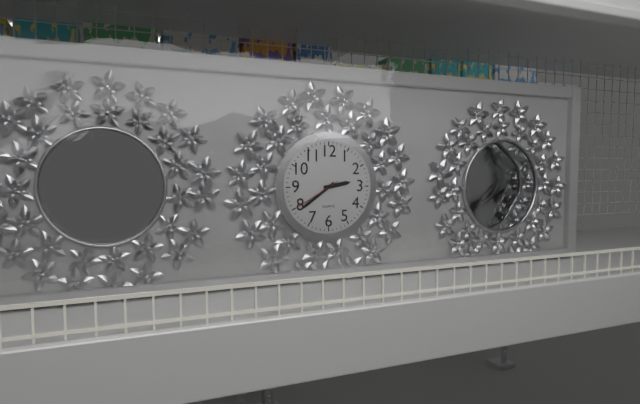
2.39.40
